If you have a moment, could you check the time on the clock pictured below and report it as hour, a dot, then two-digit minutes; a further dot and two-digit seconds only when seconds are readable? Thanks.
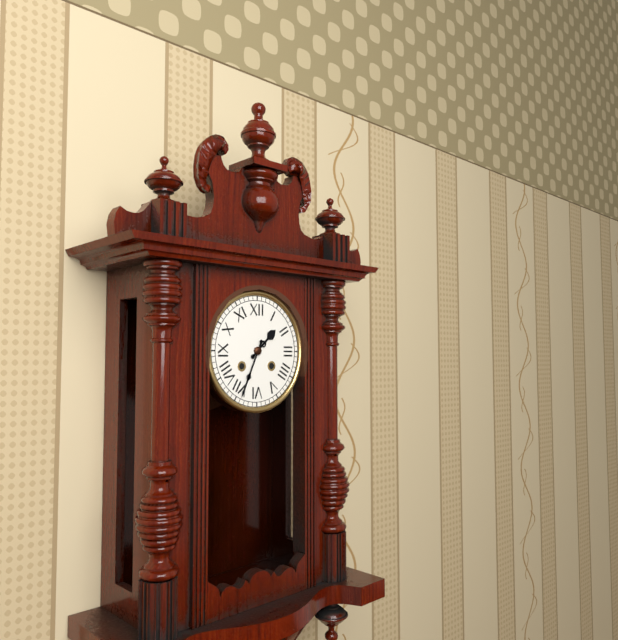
1.34
